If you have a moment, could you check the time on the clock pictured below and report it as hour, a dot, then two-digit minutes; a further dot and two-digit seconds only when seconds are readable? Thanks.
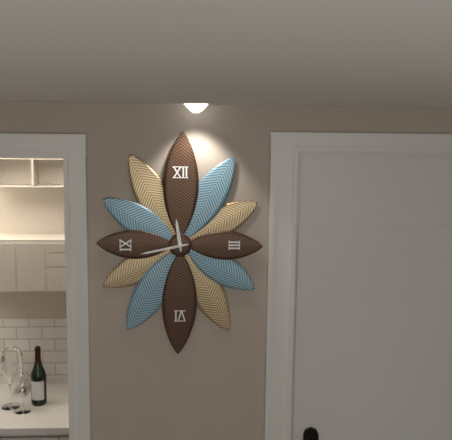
11.43
